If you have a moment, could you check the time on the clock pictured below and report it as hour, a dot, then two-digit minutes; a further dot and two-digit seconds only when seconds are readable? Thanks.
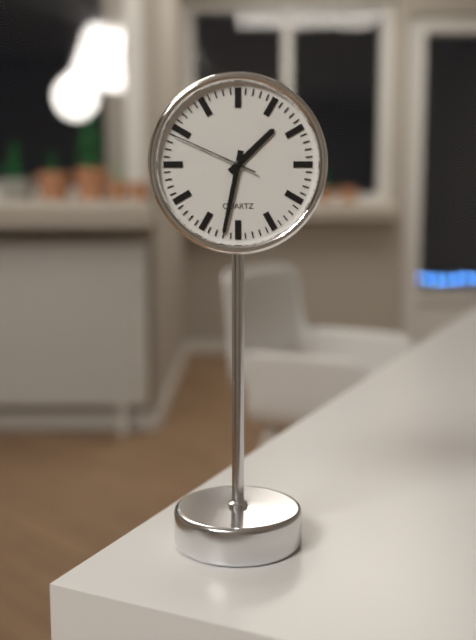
1.32.49
